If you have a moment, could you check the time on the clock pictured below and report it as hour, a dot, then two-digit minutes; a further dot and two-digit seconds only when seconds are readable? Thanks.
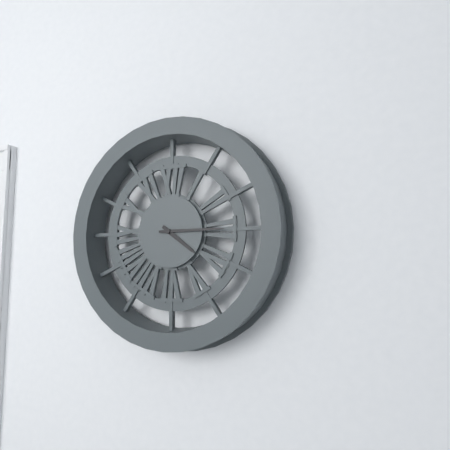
4.15
